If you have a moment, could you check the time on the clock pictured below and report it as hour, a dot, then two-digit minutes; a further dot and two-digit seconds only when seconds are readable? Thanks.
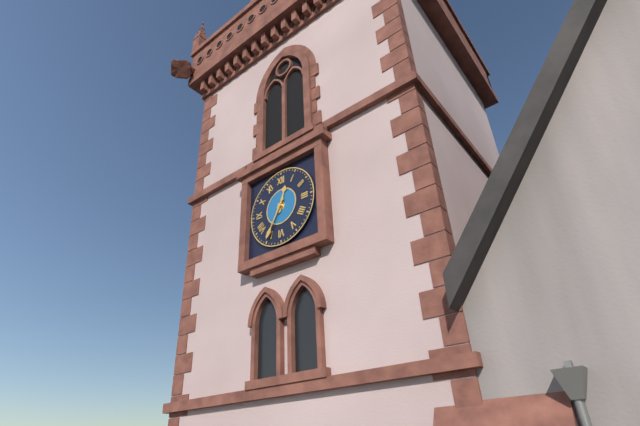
12.35
